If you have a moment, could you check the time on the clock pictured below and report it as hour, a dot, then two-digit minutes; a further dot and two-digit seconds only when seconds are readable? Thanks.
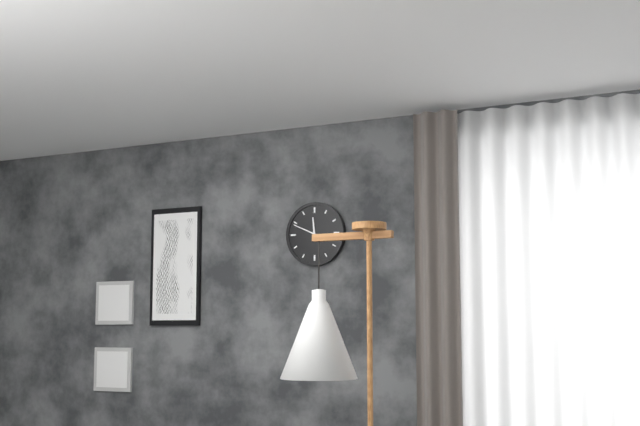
11.49
